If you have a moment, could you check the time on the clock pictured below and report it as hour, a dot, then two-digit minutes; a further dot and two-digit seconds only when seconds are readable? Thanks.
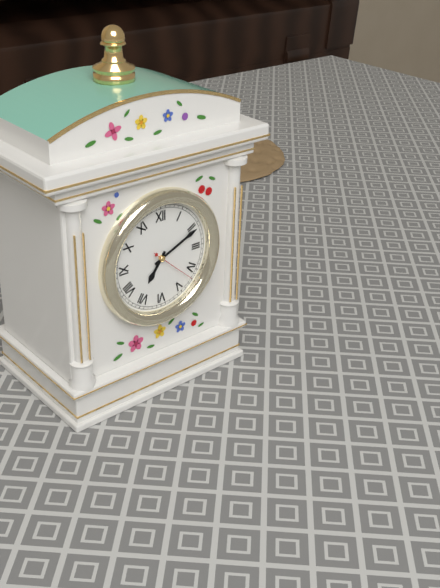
7.11
